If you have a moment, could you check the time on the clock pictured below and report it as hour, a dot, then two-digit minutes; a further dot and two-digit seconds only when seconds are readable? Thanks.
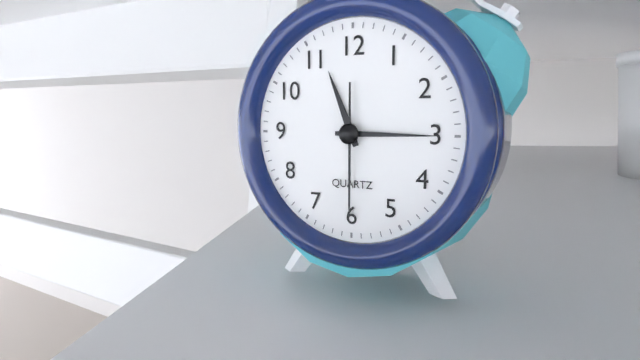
11.15.30
